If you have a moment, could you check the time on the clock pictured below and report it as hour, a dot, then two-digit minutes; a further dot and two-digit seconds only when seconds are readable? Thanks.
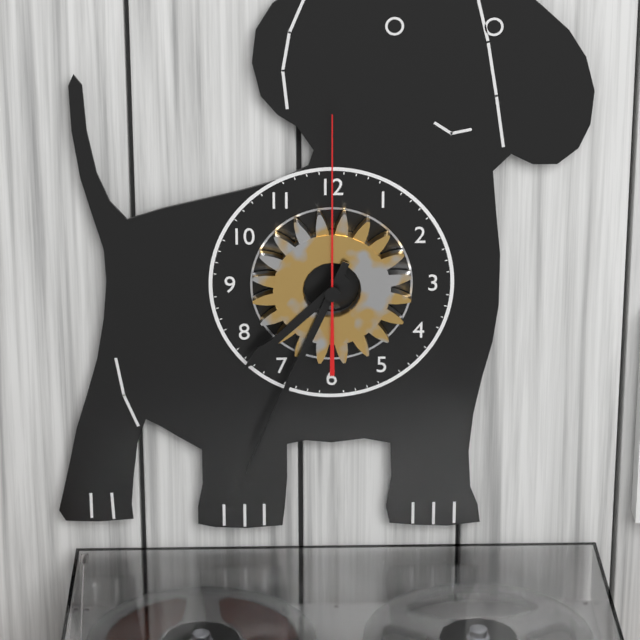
7.34.00
